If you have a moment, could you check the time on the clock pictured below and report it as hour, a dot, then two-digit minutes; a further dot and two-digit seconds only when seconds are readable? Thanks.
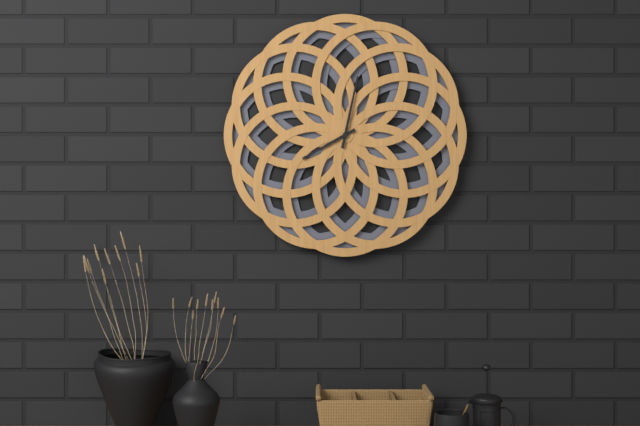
8.02
